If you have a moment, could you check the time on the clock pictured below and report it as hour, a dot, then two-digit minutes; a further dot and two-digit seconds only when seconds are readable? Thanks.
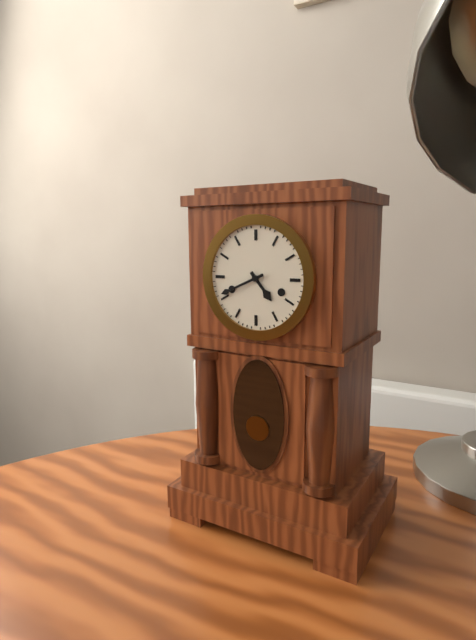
4.41
